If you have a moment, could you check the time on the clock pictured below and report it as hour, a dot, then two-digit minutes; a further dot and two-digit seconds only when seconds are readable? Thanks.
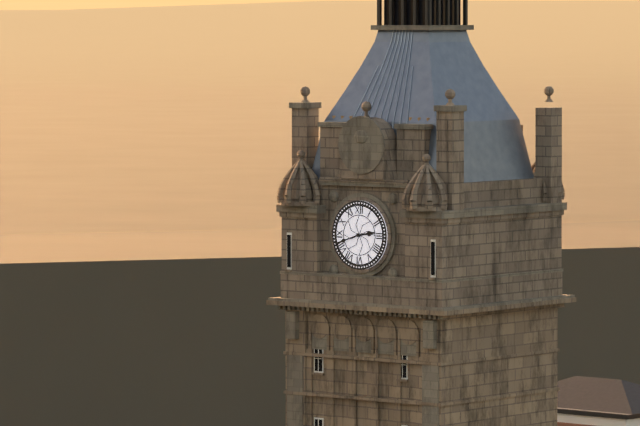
2.42
